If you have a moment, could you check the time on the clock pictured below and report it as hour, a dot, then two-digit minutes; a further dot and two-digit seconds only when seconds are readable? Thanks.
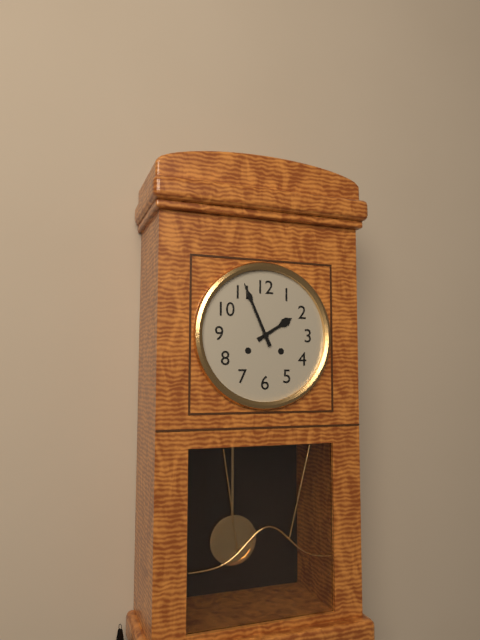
1.56
